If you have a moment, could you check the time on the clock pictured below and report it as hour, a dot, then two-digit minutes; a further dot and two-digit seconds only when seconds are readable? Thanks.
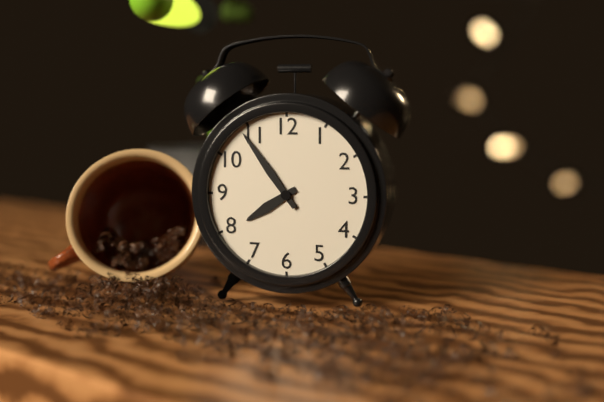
7.54
